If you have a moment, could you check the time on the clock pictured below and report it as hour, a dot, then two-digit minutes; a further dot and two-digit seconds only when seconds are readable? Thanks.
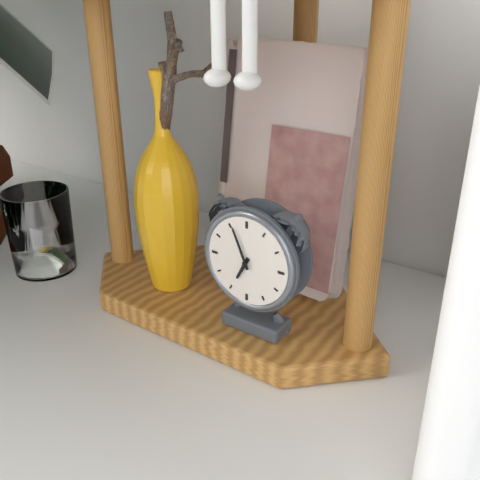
6.56
